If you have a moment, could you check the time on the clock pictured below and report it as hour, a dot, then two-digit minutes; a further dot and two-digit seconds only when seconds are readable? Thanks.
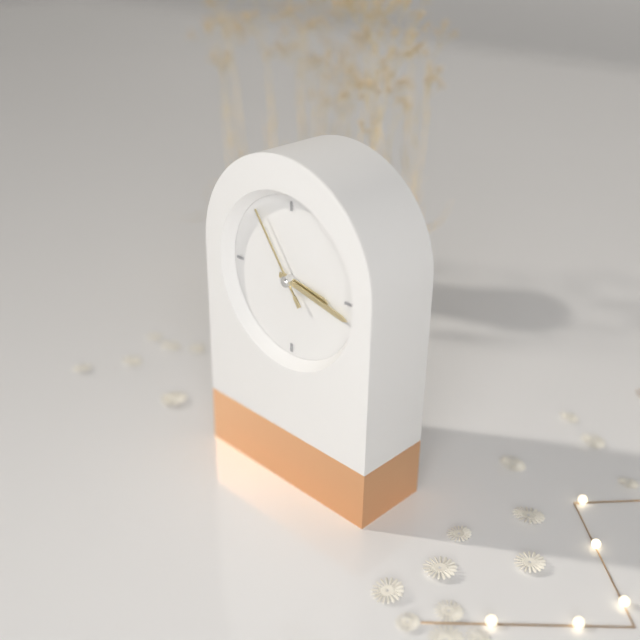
3.17.54
